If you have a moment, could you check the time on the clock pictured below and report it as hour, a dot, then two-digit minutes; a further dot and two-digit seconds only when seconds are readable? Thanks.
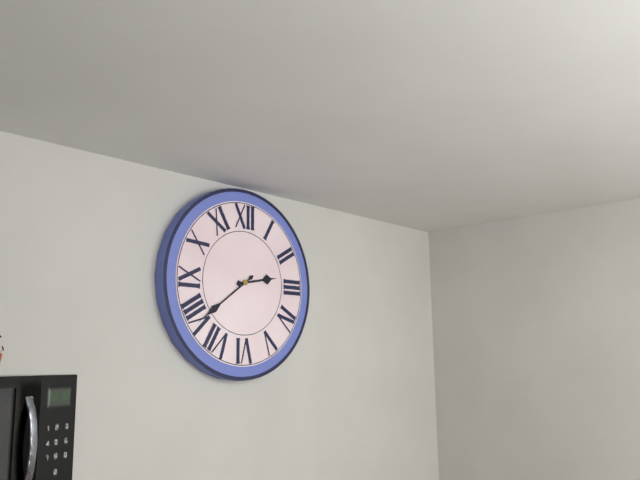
2.39
